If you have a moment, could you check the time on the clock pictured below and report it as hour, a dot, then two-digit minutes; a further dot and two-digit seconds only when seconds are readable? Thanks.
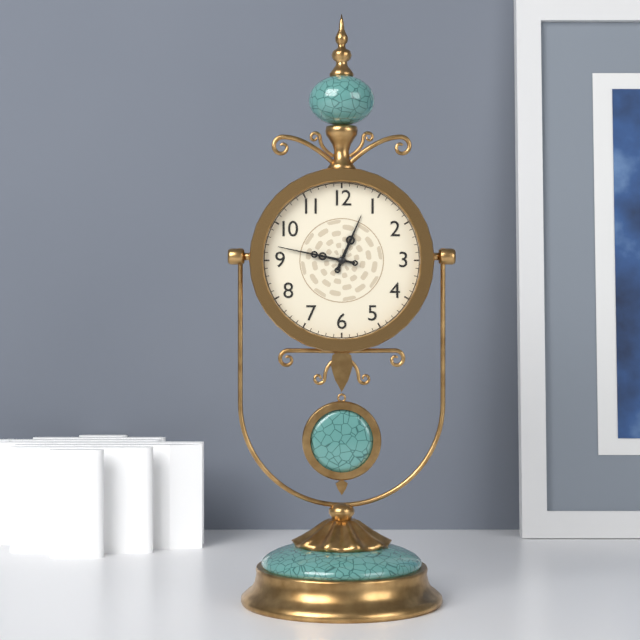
12.47
